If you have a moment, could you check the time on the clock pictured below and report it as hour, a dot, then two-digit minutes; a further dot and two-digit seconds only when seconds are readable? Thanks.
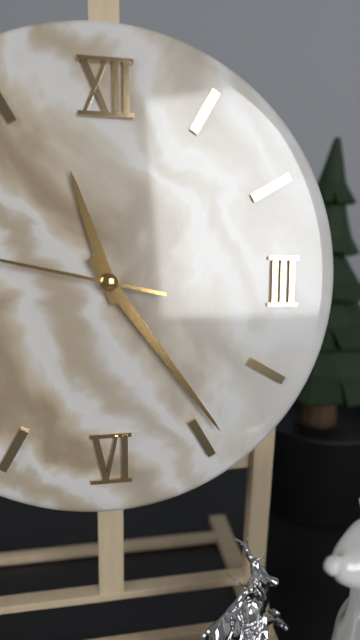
11.24
